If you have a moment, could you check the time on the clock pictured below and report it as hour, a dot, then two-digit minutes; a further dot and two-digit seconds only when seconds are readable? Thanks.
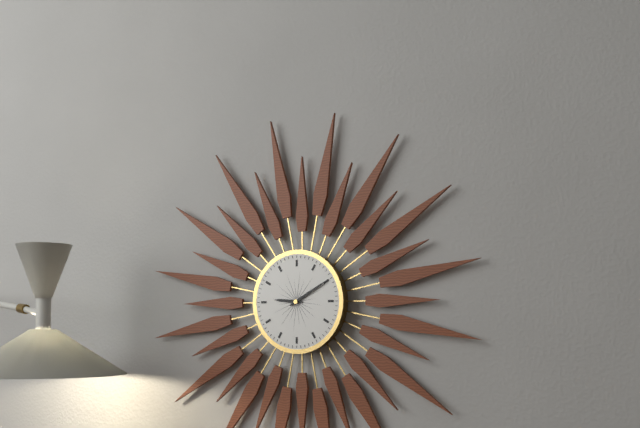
9.10
